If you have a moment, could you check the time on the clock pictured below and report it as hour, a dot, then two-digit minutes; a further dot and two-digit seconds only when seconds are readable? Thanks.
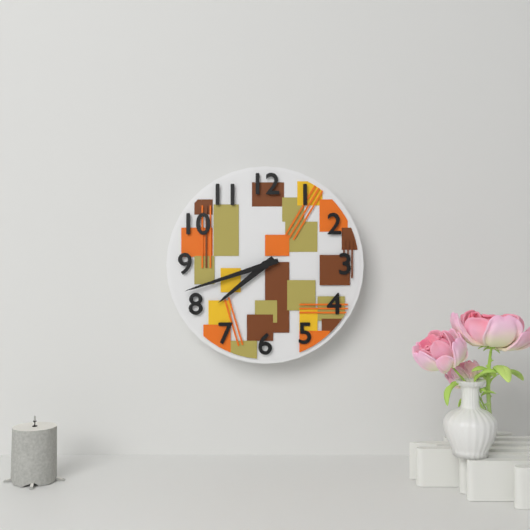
7.42
